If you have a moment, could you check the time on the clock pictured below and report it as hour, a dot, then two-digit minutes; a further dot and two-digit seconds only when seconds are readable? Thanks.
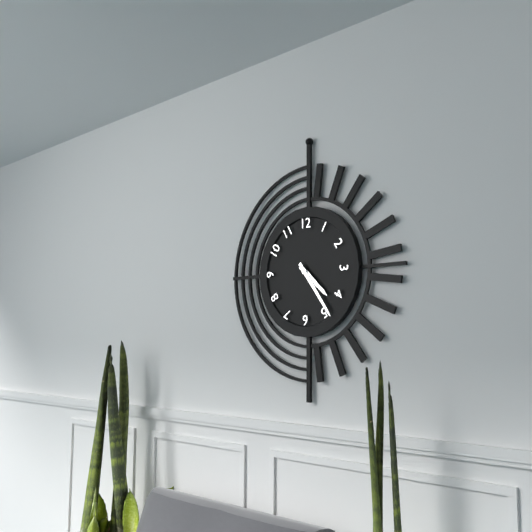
4.24
